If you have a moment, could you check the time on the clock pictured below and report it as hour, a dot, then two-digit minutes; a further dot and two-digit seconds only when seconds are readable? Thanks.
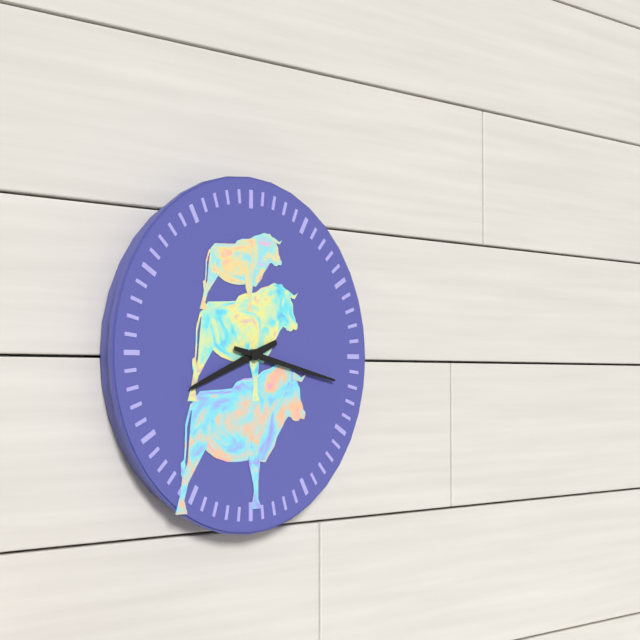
8.17
